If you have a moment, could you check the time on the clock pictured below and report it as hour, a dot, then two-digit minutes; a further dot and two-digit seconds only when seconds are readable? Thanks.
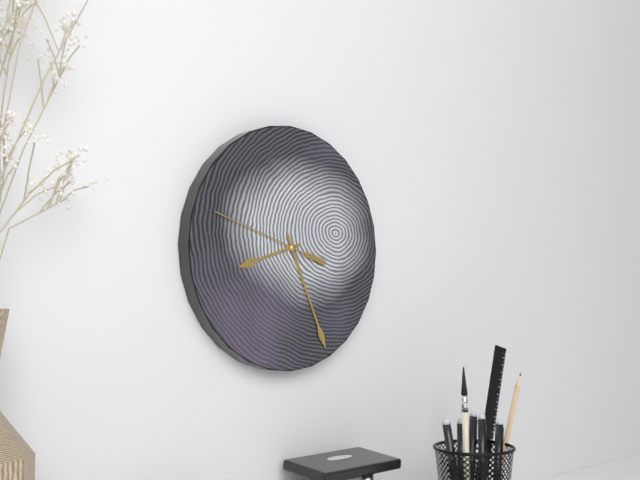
8.26.48
